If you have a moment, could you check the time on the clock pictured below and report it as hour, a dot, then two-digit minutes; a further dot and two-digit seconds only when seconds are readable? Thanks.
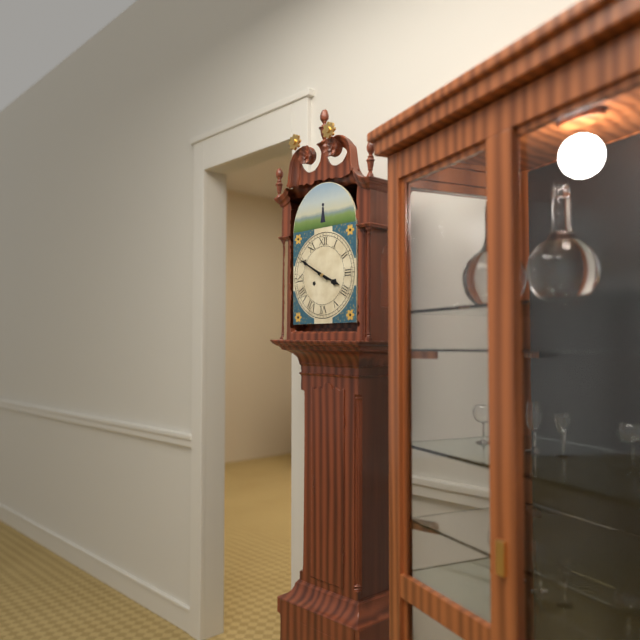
3.50
